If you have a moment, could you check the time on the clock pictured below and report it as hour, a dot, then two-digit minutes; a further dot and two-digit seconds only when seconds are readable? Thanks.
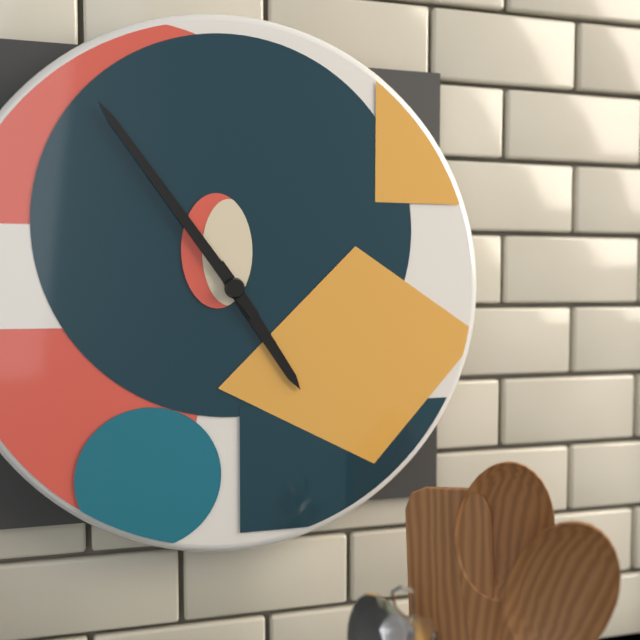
4.54
